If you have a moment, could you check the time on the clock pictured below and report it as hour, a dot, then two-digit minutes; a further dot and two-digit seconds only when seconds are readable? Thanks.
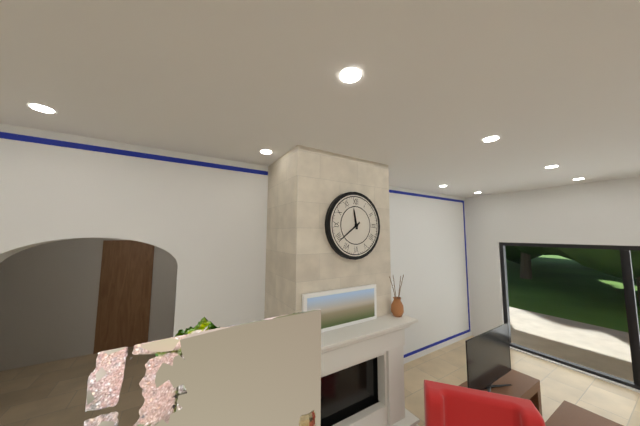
11.39
